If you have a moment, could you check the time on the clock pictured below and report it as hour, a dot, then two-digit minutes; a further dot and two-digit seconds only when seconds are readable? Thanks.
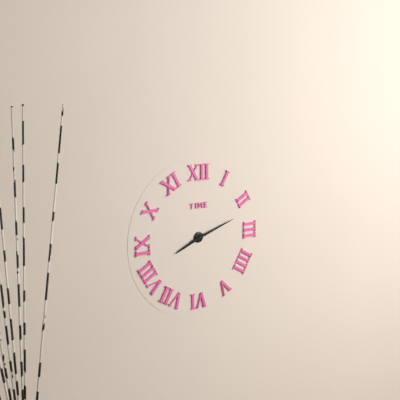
8.12
